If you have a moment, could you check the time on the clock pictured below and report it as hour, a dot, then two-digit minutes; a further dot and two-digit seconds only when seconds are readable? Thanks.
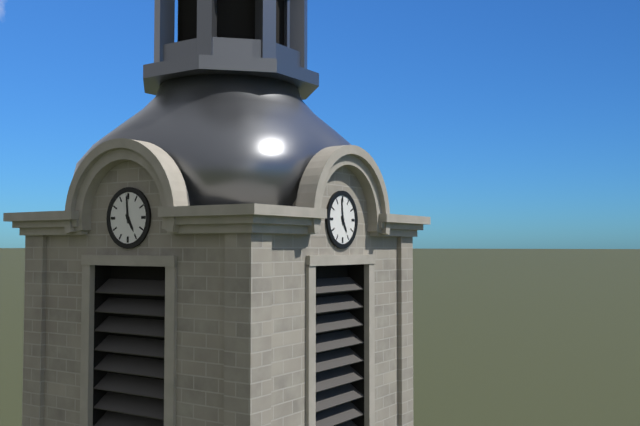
4.59
